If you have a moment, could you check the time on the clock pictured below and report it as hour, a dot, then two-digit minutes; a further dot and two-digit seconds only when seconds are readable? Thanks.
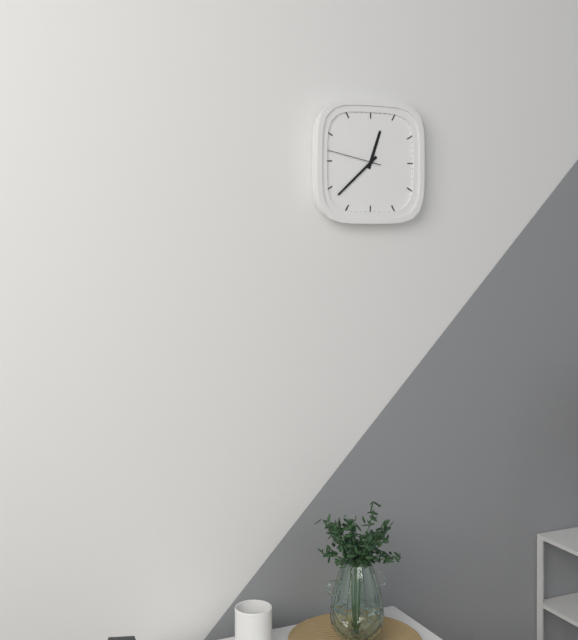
12.38.47
